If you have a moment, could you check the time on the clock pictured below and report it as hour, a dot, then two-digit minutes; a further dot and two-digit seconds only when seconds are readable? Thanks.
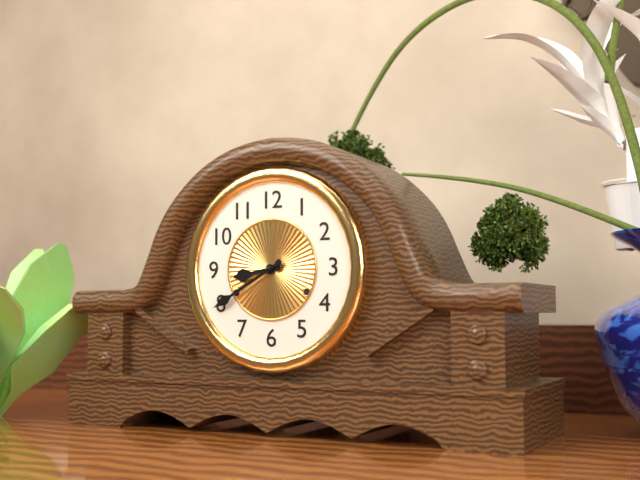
8.40
